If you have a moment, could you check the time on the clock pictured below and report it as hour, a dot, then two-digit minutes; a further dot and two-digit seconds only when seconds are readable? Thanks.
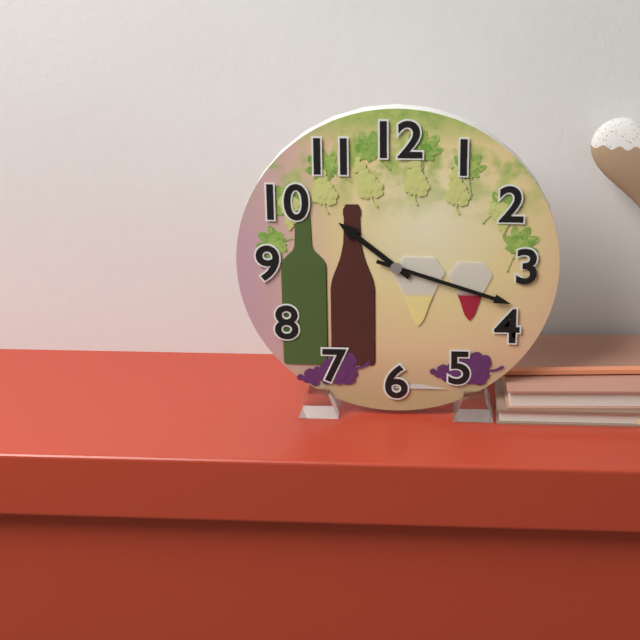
10.18
